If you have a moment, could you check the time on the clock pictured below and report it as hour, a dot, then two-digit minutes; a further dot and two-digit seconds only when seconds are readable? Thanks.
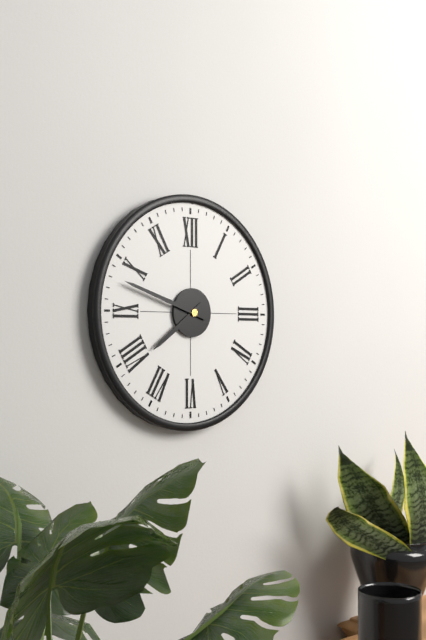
7.48
